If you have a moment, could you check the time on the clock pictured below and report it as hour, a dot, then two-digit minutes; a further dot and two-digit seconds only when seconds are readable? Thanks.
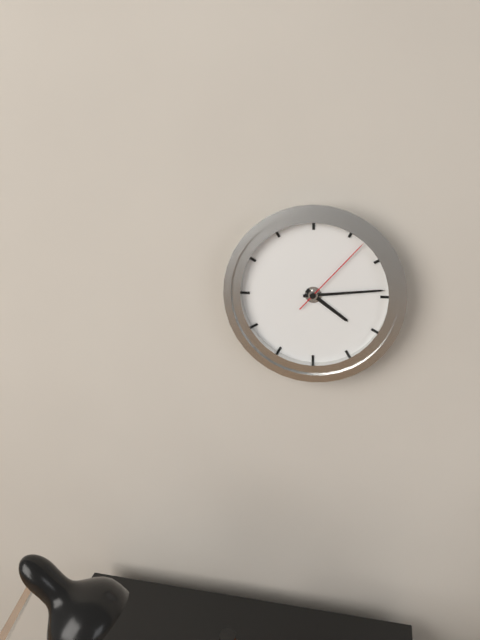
4.14.07
